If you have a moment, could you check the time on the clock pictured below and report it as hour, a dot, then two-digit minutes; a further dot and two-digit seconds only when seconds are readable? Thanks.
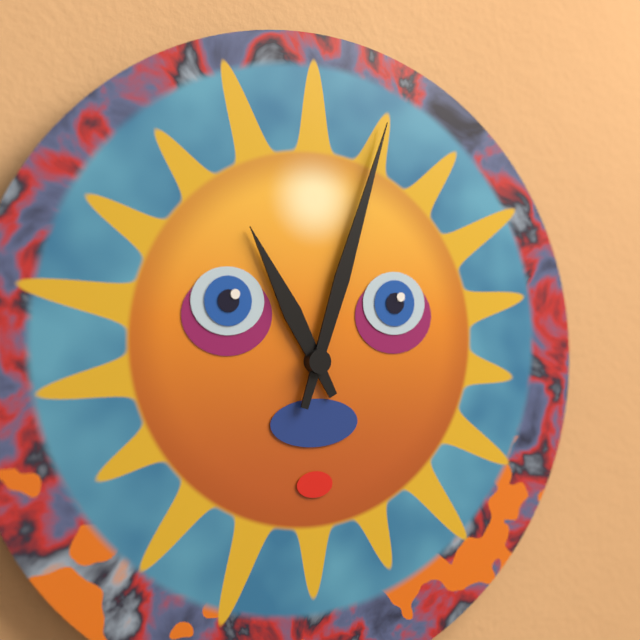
11.03
